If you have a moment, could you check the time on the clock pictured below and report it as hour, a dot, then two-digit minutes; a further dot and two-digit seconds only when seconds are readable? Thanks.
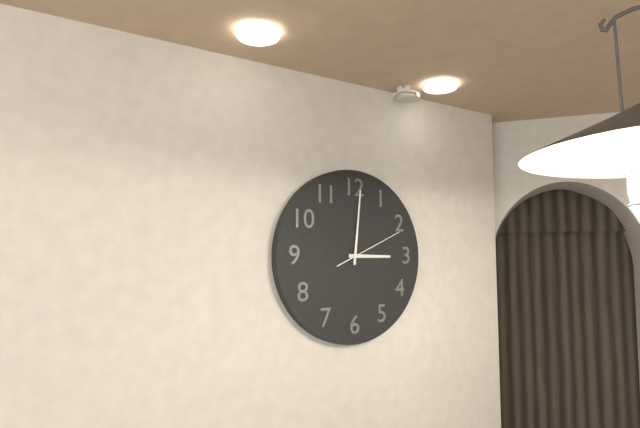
3.01.11
